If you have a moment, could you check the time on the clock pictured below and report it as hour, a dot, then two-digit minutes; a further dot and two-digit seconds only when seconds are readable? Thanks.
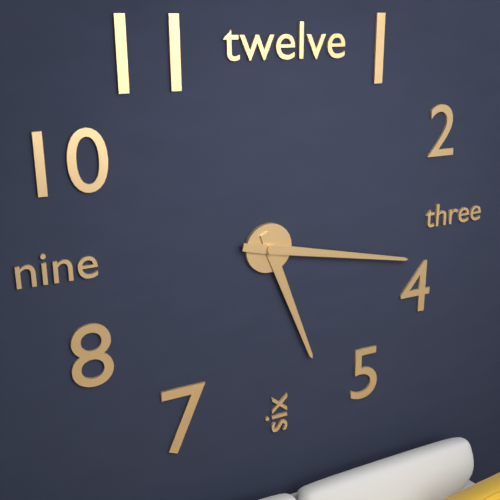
5.17
